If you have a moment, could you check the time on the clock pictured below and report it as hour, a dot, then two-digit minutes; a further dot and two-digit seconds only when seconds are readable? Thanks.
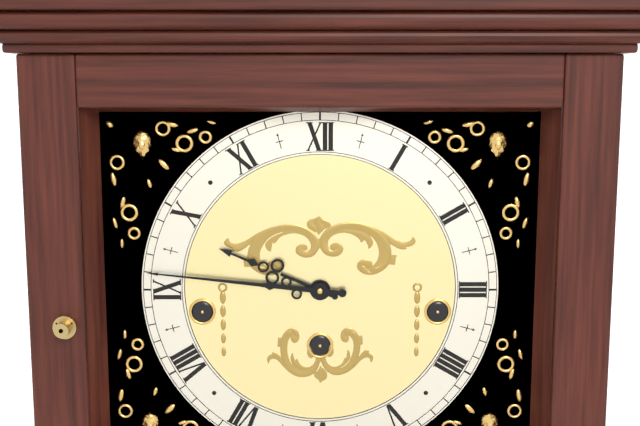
9.46
